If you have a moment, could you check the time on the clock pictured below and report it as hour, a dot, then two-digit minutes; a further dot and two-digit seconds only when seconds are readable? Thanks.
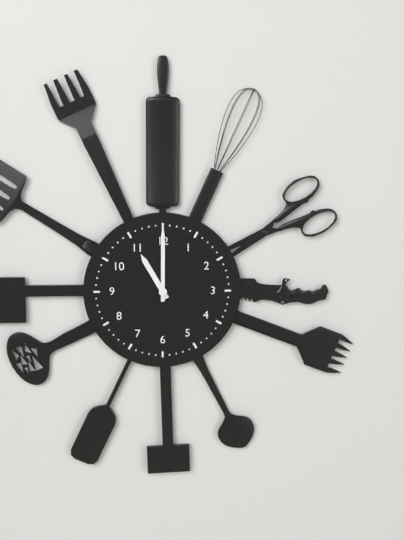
11.00
